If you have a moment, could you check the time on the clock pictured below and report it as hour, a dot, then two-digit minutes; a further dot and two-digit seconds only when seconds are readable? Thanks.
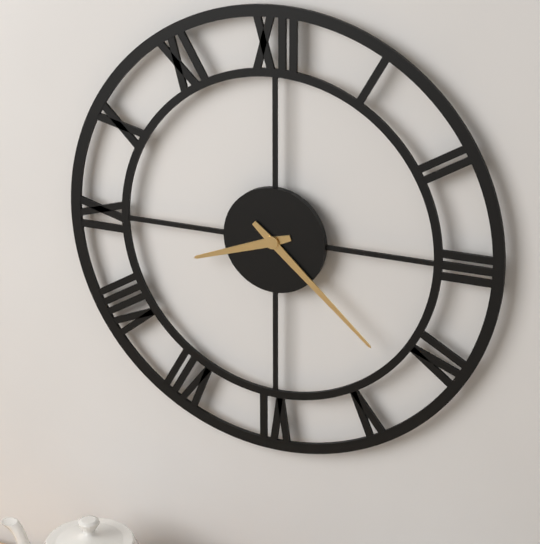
8.22
